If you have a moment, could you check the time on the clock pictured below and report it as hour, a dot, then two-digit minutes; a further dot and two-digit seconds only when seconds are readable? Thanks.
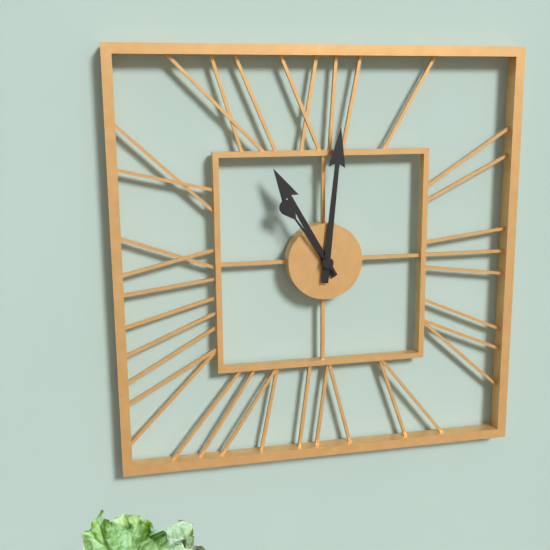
11.01.54
